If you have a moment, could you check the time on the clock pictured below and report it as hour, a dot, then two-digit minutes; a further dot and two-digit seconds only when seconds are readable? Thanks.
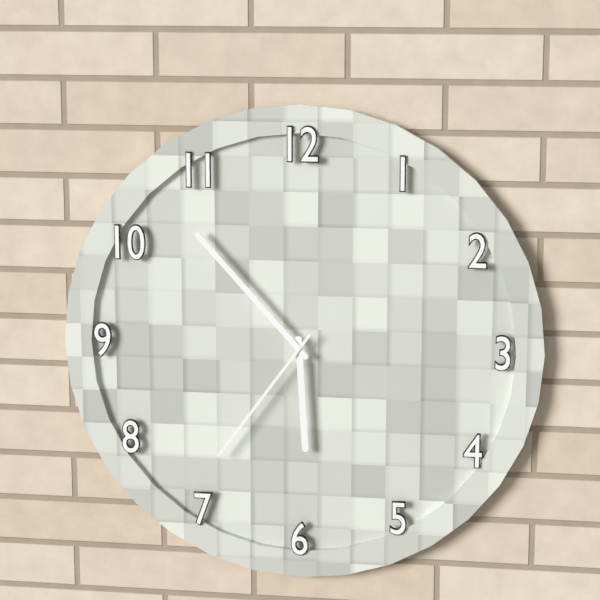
5.53.36
